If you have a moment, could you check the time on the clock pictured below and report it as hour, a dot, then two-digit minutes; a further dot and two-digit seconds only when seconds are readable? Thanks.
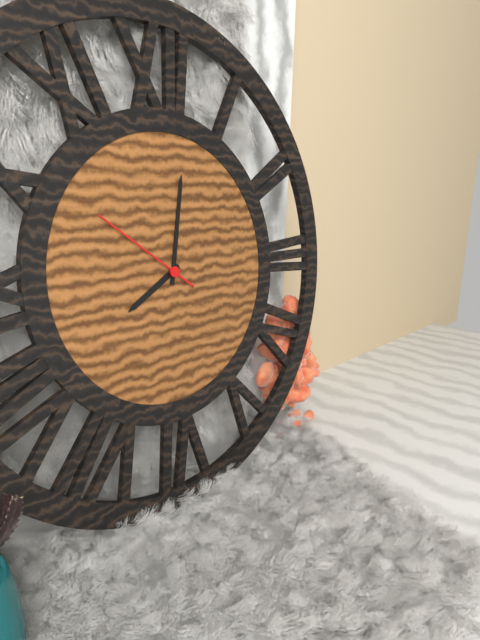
8.02.51
